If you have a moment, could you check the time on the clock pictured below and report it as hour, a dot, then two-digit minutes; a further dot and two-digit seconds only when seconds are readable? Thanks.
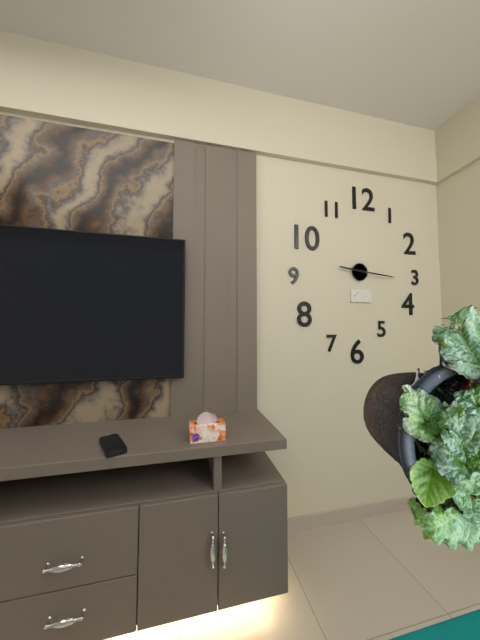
9.16
